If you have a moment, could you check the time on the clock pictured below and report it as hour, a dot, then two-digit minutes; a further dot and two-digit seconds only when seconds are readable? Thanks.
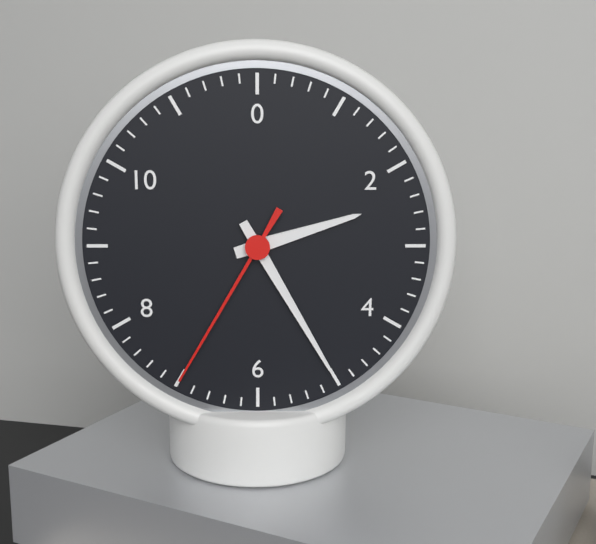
2.25.35
